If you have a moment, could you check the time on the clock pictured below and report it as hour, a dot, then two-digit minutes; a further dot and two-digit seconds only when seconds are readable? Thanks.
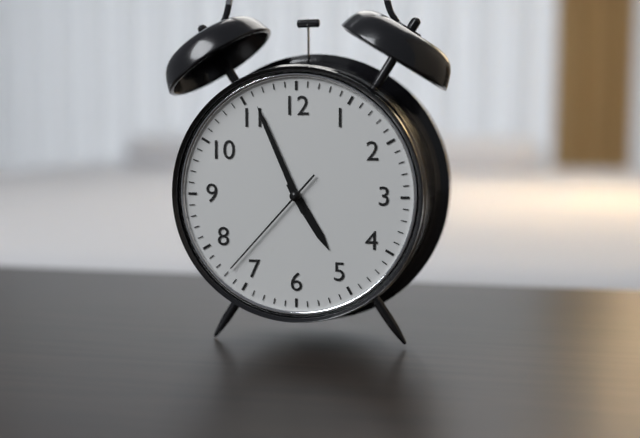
4.56.37
